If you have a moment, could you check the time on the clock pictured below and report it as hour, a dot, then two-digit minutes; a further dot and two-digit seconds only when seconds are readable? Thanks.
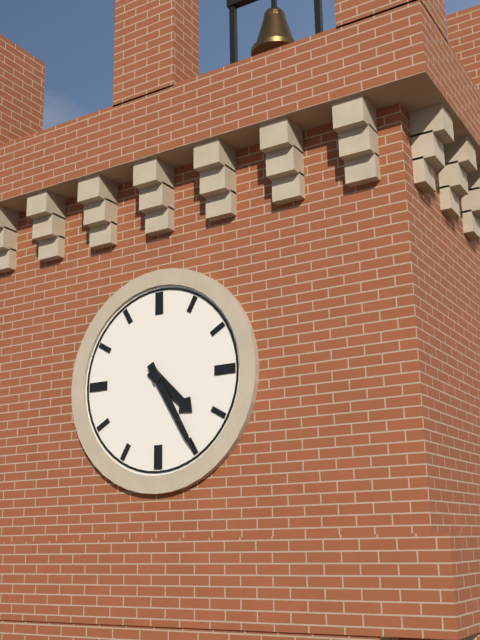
4.25
